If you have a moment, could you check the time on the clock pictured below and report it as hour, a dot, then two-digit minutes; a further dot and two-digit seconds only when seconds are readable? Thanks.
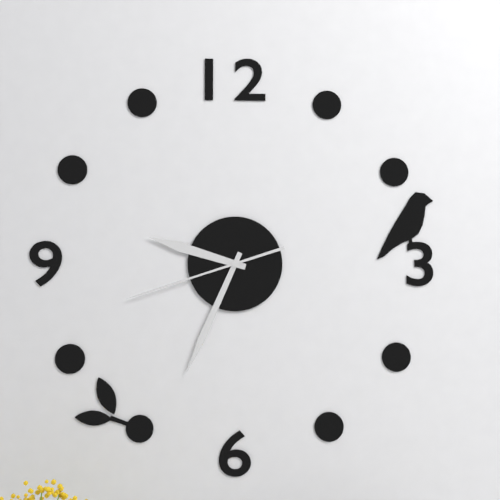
9.34.42
